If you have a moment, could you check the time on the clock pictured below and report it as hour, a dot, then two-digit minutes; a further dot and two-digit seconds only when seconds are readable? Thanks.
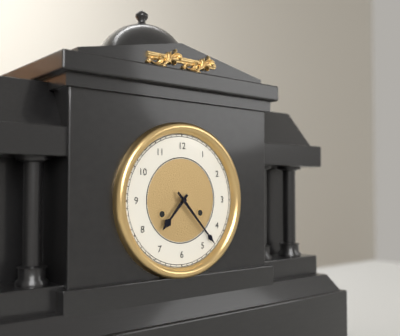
7.23
